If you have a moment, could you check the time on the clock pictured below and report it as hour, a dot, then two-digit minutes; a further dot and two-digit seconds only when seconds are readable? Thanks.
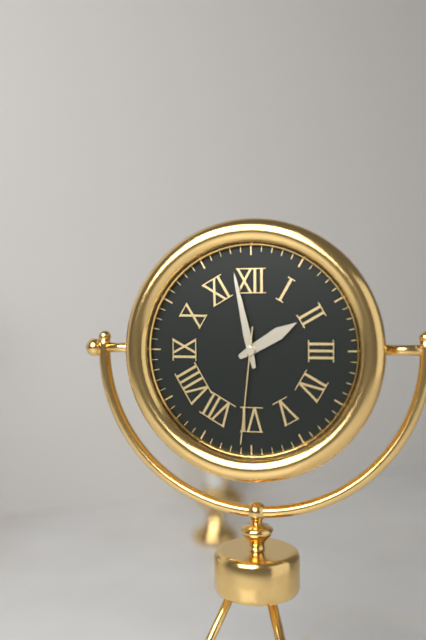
1.58.31
